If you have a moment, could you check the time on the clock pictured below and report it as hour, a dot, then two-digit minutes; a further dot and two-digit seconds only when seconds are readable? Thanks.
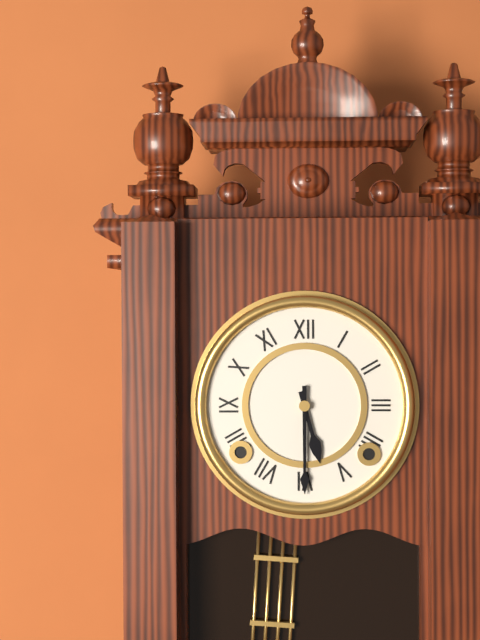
5.30
